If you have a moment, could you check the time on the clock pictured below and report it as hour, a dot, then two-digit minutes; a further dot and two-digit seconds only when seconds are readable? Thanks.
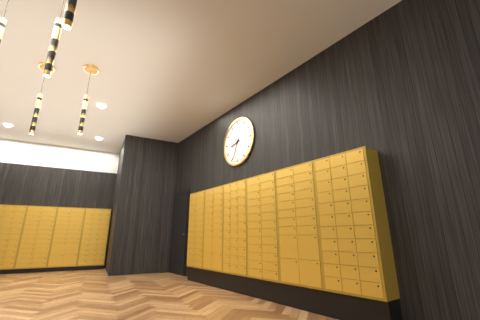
8.34
